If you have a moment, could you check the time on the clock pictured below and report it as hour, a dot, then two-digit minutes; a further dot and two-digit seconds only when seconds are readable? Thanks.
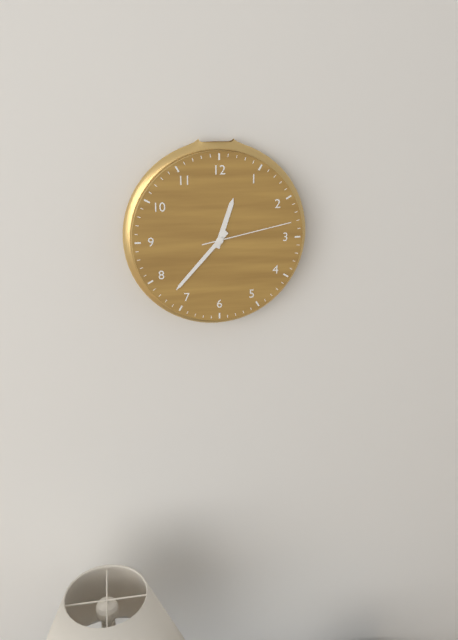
12.37.13
